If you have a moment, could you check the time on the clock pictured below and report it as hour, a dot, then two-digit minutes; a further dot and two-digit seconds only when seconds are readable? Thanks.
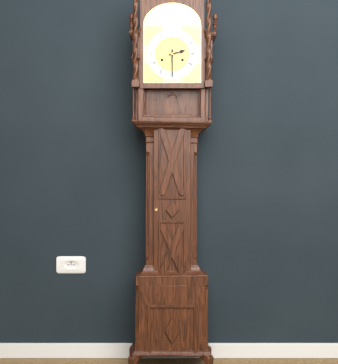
2.30
